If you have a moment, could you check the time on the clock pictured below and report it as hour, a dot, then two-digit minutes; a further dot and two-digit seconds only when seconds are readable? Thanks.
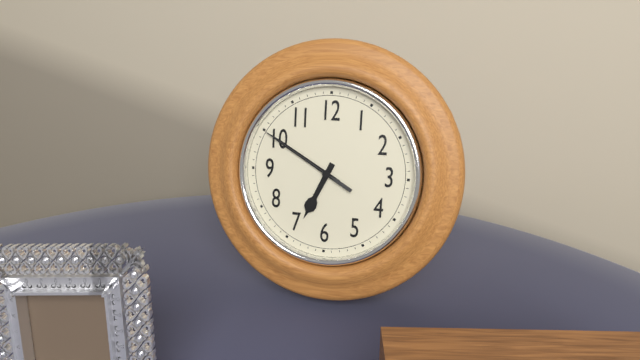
6.50.50
